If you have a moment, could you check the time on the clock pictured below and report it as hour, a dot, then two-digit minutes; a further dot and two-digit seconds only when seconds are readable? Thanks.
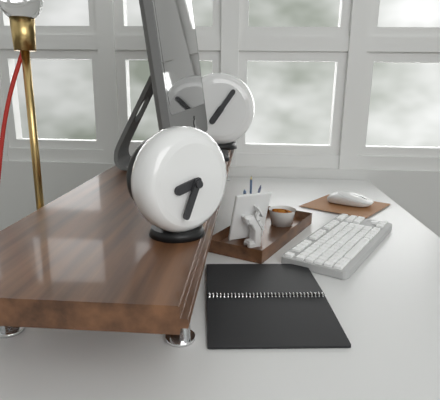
8.34
